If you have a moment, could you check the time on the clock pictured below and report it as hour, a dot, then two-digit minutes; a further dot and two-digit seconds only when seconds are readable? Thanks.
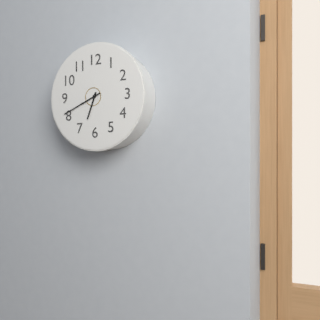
6.41
